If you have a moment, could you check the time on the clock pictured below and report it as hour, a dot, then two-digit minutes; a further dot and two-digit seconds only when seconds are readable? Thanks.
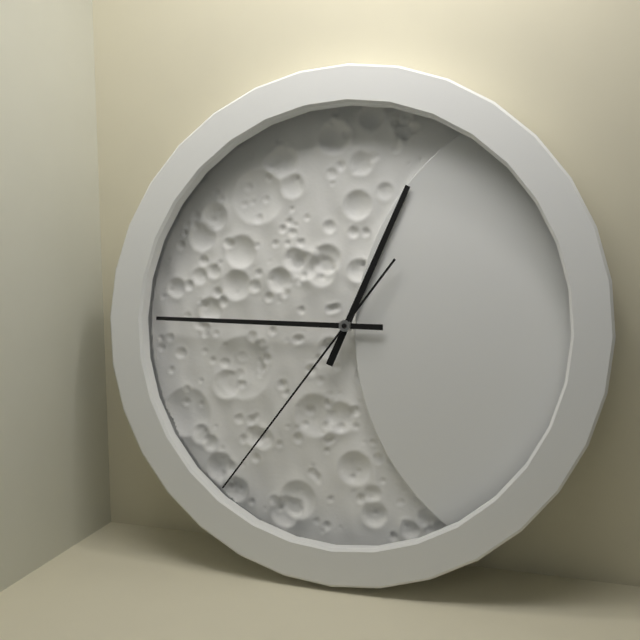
12.45.36
